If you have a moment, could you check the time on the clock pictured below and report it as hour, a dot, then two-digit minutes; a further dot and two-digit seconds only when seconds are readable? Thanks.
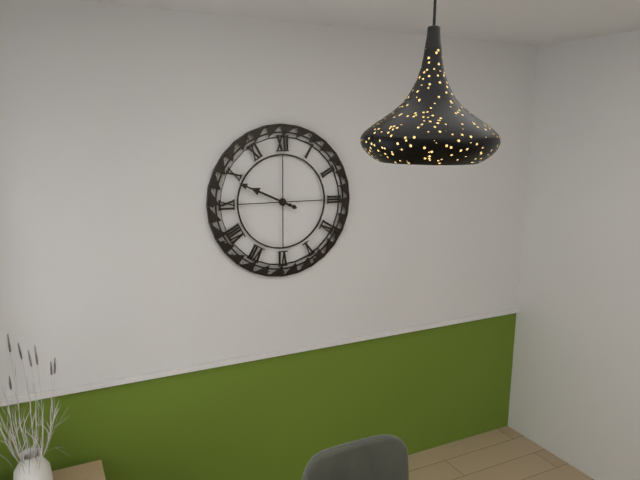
9.49
